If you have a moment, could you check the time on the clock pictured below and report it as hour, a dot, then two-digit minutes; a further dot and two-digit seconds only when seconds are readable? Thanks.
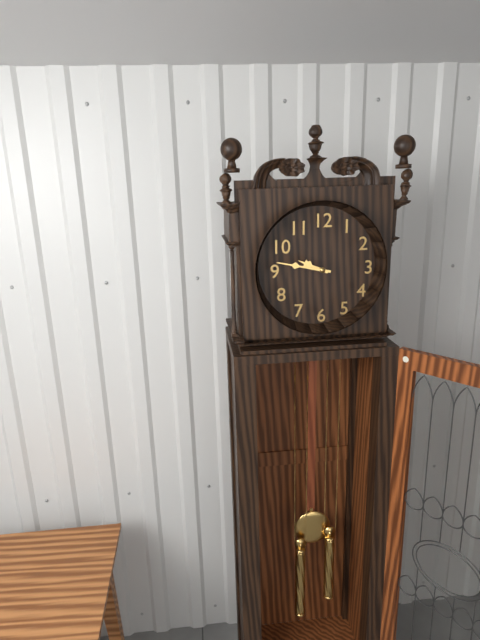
9.47
